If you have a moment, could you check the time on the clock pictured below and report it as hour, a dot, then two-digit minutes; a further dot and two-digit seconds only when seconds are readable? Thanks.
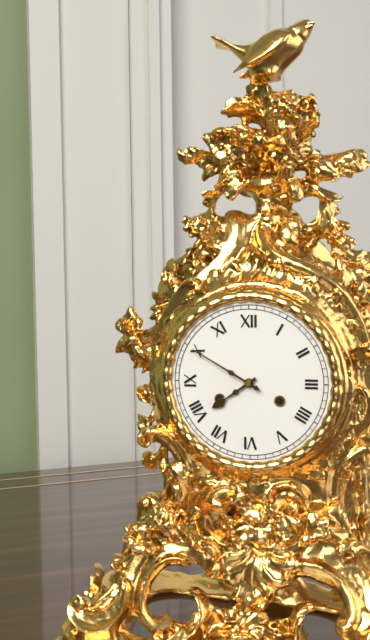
7.50
